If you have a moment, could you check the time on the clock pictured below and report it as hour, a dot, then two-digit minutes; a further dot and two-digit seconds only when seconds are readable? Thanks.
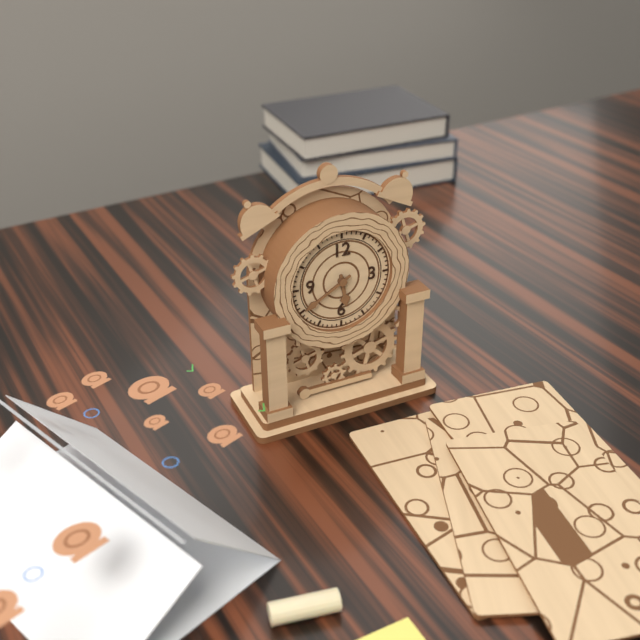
5.40
